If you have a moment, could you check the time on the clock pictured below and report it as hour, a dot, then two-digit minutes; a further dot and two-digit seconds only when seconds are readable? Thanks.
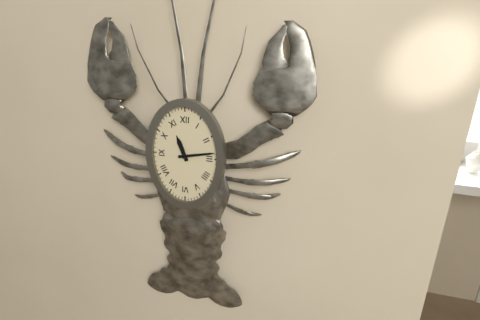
11.13
